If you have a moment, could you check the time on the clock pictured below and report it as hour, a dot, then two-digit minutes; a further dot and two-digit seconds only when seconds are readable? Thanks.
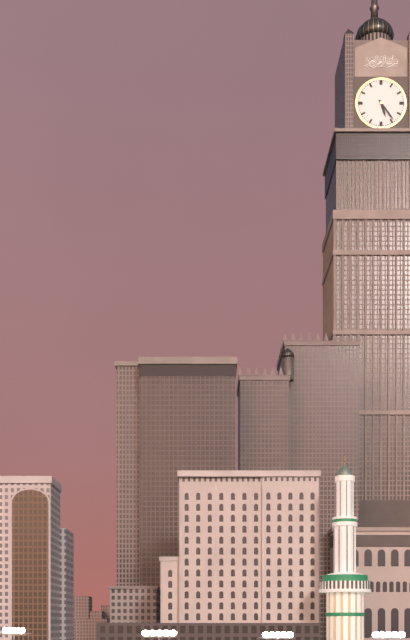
5.24
